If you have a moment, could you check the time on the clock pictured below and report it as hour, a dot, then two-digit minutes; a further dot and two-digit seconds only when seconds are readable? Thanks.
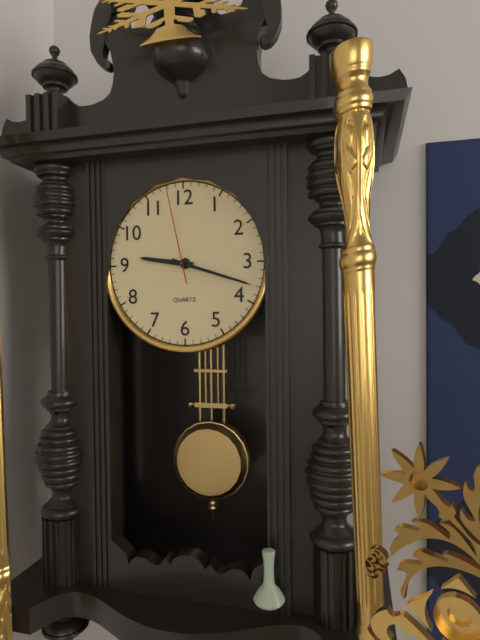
9.18.58
